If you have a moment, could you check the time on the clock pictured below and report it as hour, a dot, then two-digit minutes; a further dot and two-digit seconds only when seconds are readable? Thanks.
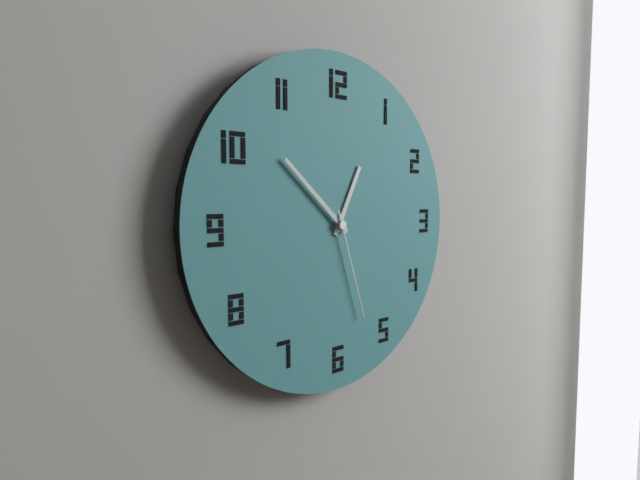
12.52.27
